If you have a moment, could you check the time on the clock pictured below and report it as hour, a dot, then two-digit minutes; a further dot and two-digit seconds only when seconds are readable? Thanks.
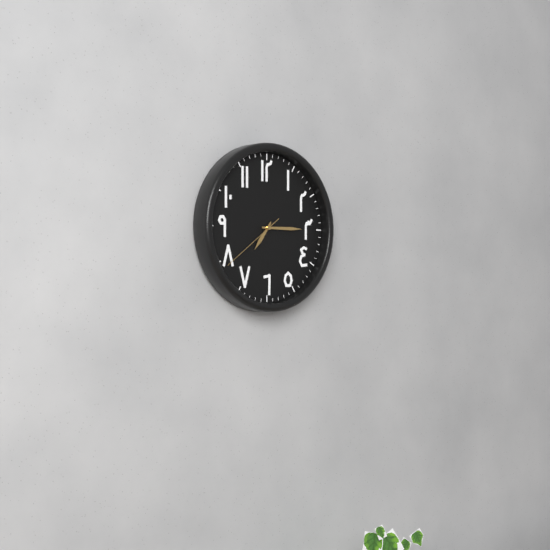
7.15.39
